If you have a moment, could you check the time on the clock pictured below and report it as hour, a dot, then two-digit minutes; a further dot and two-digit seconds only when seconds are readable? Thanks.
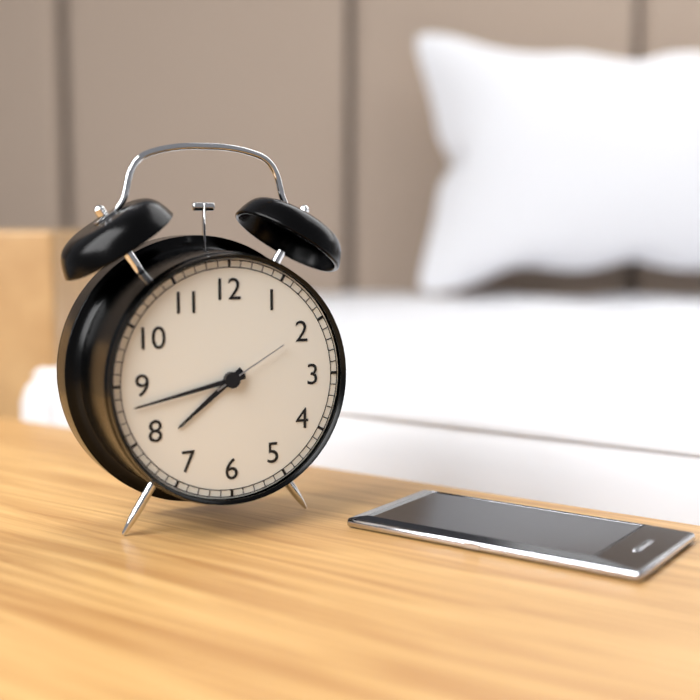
7.43.10
